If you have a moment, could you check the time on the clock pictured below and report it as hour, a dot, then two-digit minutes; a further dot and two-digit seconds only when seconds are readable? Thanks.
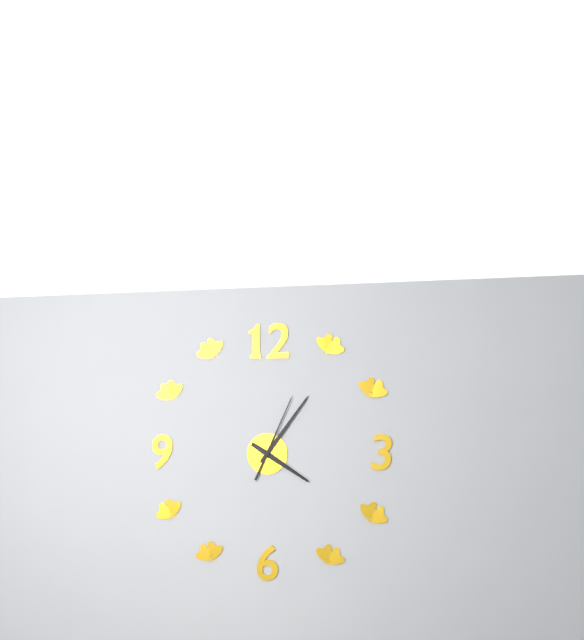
4.06.04
